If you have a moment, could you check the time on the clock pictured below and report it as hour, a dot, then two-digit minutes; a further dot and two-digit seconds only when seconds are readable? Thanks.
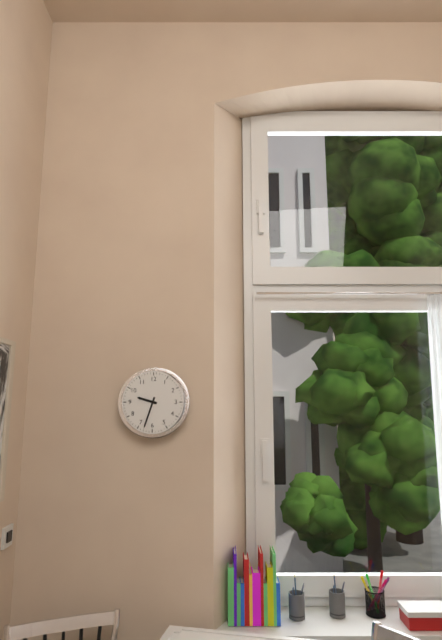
9.33
